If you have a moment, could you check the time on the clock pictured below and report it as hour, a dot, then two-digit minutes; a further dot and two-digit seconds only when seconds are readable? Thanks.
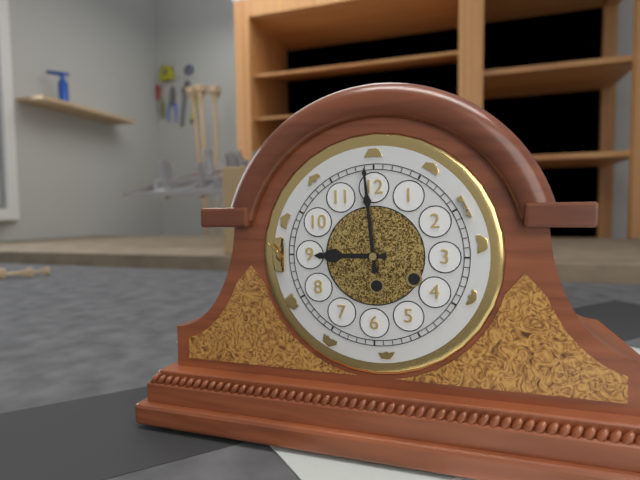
8.59
